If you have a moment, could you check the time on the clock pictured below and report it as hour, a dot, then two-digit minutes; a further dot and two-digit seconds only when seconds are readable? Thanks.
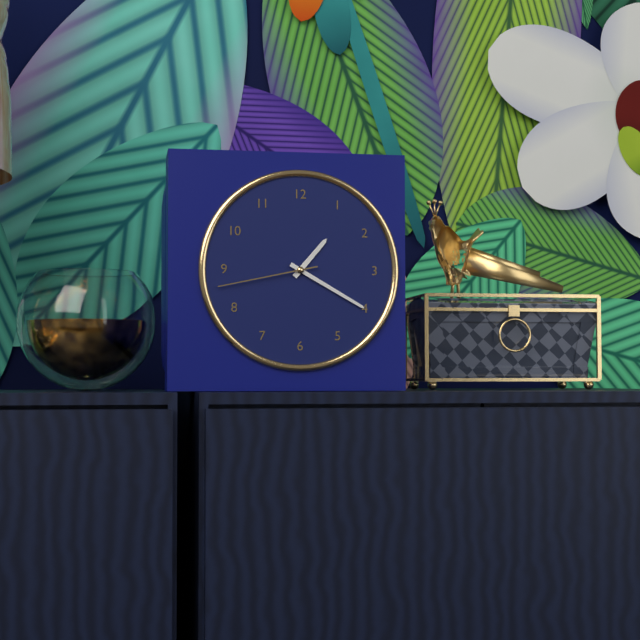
1.20.43
